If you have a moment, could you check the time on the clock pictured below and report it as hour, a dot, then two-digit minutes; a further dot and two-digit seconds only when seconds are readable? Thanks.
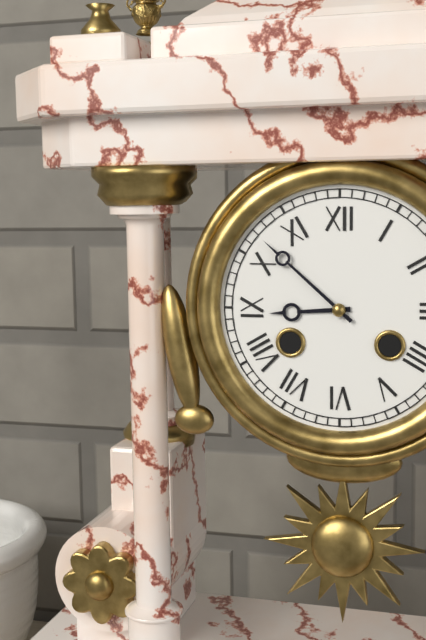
8.52
